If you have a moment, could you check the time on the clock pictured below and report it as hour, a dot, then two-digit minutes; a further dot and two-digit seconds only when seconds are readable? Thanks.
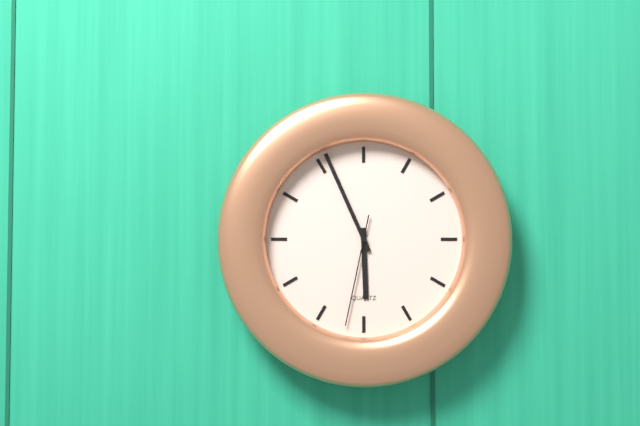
5.56.32
